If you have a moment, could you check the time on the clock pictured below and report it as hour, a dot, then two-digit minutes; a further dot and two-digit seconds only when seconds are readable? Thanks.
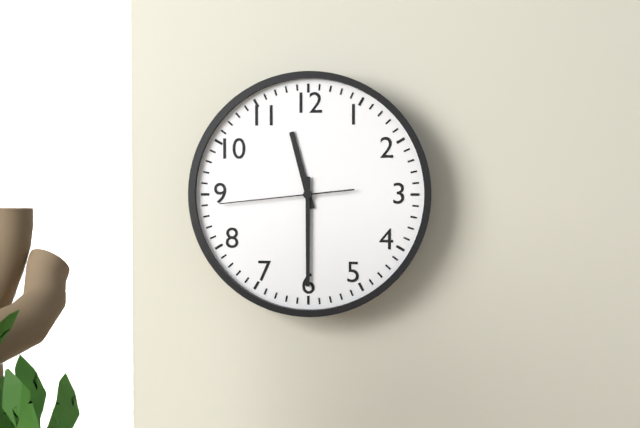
11.30.44
